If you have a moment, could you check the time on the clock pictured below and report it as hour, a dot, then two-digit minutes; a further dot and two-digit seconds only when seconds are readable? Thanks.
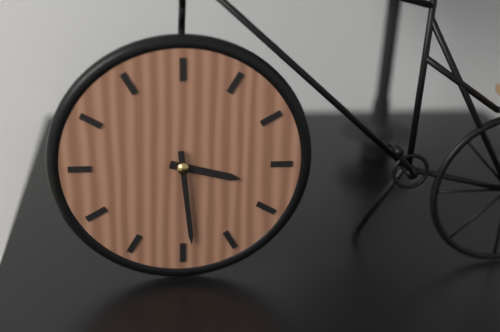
3.29
